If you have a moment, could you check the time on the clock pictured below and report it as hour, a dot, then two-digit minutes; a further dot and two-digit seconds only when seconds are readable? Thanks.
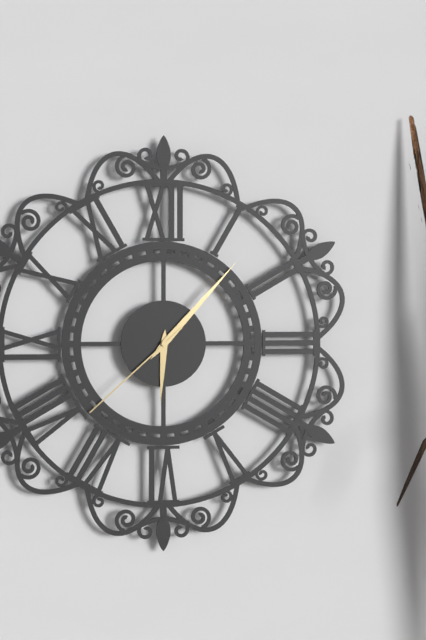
6.07.38
